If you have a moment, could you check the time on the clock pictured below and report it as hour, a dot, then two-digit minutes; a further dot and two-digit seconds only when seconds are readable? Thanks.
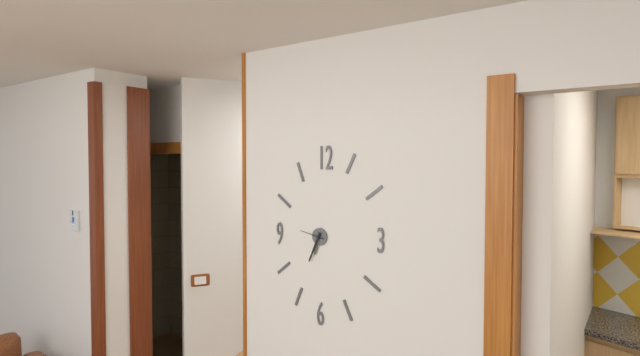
6.34
